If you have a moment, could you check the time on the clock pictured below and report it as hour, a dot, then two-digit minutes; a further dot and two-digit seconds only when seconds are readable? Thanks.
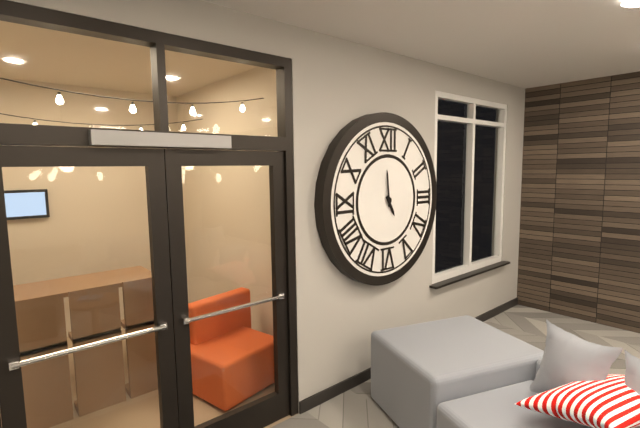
4.59
